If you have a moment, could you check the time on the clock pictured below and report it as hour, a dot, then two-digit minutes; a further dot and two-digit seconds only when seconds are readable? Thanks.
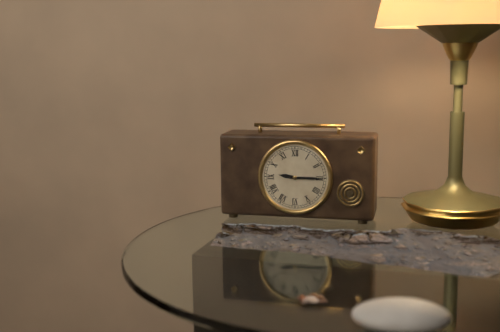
9.15
